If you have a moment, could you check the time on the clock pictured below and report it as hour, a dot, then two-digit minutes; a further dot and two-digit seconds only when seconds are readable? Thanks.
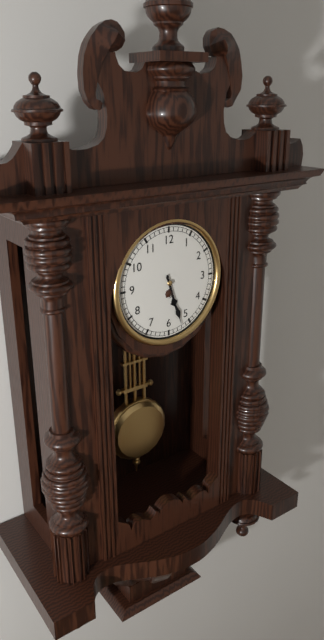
5.27
